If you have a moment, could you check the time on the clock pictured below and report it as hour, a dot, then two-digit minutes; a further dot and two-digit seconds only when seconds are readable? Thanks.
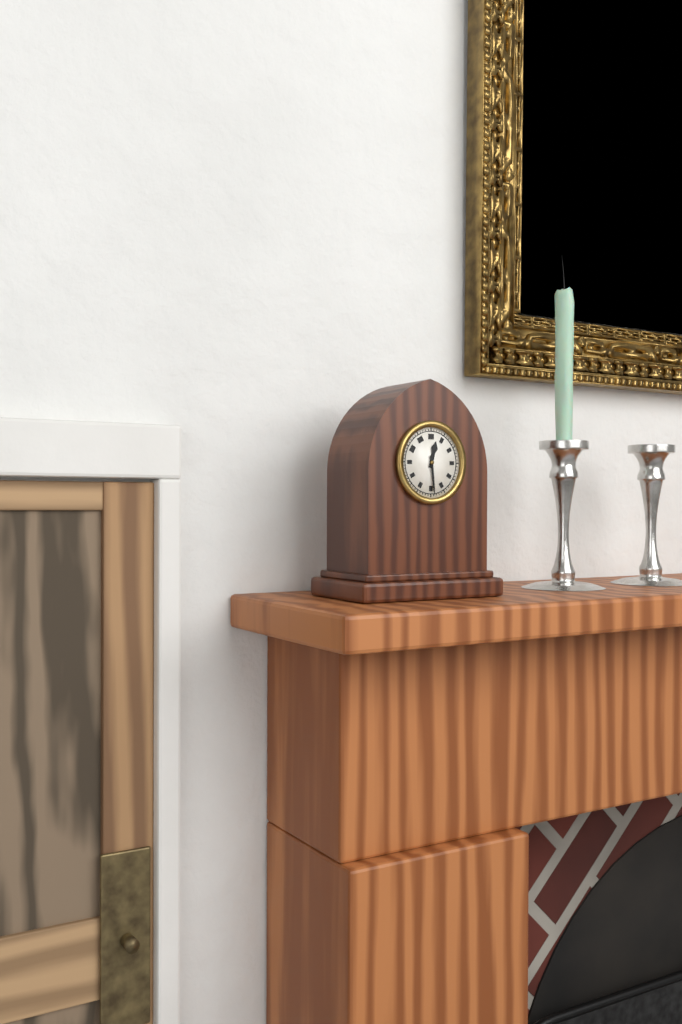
12.29
